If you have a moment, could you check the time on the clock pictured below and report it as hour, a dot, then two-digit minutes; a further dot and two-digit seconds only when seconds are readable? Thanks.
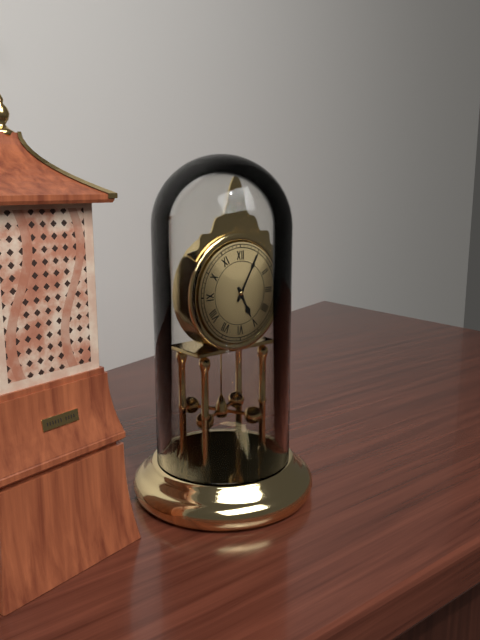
5.05
